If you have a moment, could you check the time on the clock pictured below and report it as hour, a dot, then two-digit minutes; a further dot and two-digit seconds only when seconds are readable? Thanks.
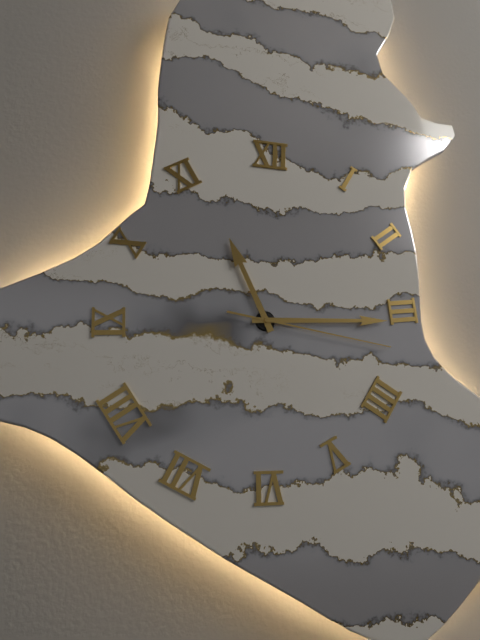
11.15.17
